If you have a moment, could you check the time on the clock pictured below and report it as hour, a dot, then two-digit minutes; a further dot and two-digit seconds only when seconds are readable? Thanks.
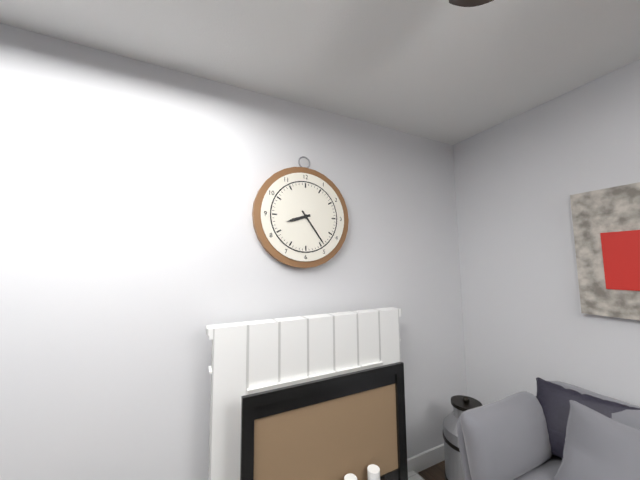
8.24
